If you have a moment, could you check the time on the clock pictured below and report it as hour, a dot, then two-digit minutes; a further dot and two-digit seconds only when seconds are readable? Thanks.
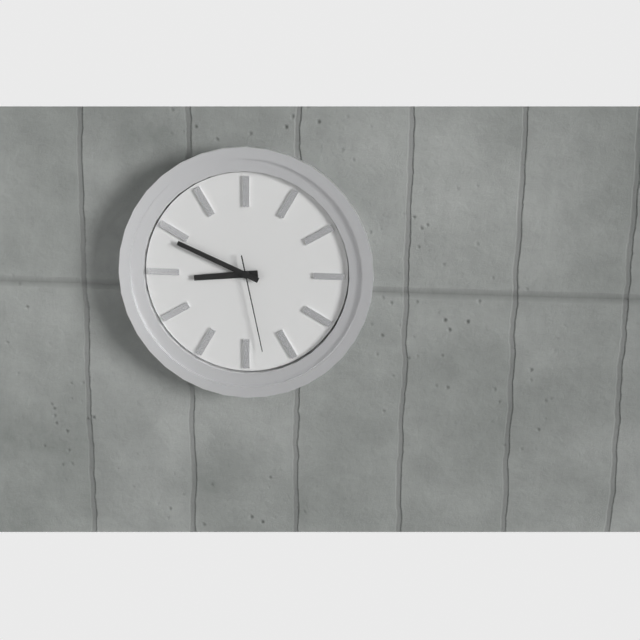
8.49.28
